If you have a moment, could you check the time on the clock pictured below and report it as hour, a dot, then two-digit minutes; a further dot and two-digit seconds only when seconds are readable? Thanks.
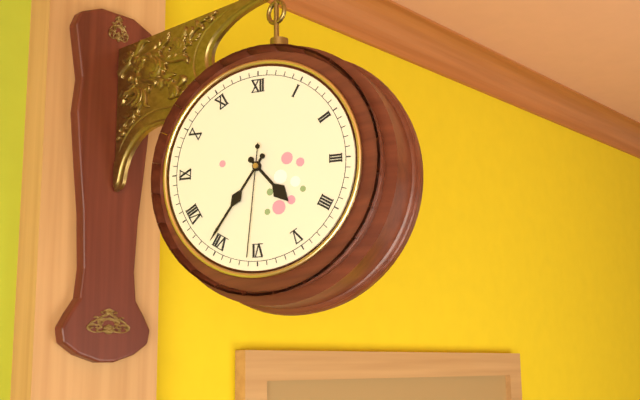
4.36.31
